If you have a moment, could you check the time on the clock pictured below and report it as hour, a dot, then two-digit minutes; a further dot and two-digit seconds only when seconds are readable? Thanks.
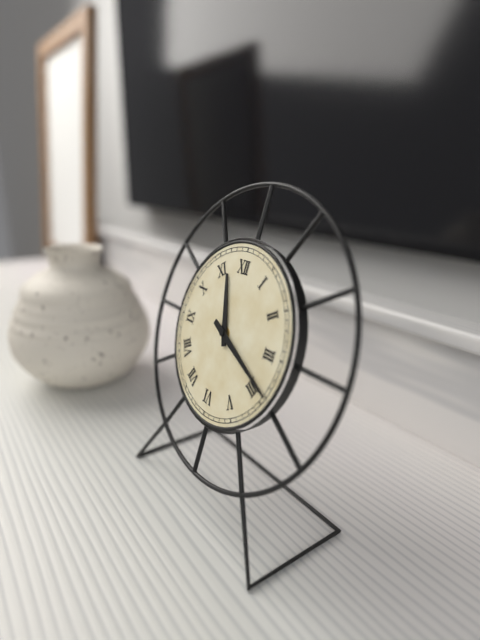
11.19
